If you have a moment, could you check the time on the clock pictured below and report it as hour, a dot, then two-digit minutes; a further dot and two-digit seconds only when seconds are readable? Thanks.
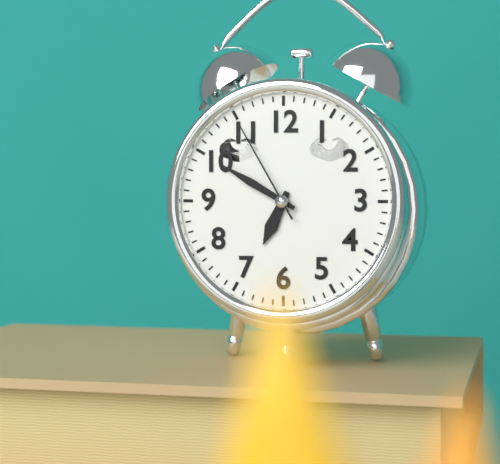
6.50.55
